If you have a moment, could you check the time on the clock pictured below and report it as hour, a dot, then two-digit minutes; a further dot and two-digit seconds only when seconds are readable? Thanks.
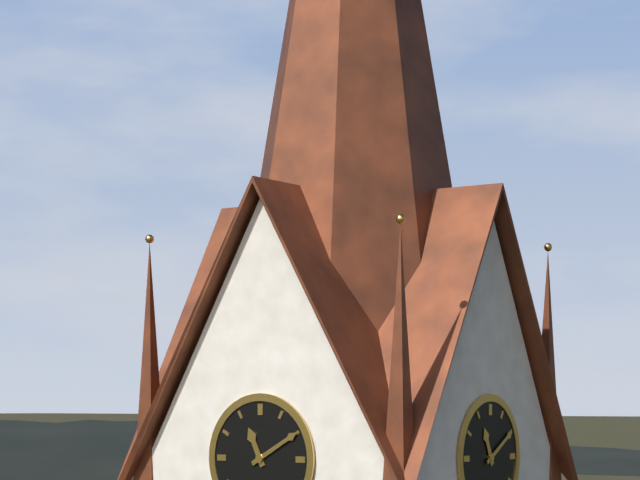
11.10
